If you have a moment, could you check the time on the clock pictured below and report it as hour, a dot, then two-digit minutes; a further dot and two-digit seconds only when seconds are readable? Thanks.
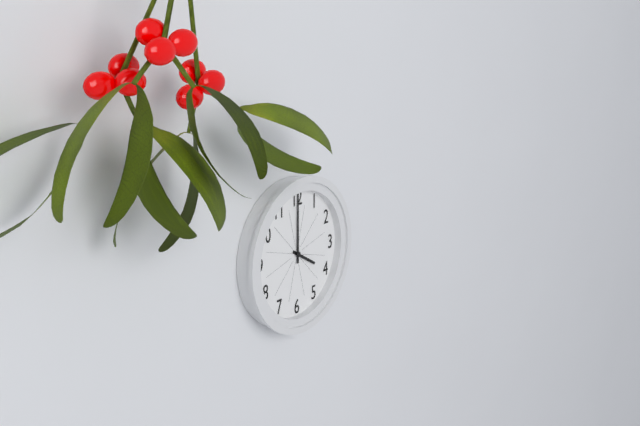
4.00
